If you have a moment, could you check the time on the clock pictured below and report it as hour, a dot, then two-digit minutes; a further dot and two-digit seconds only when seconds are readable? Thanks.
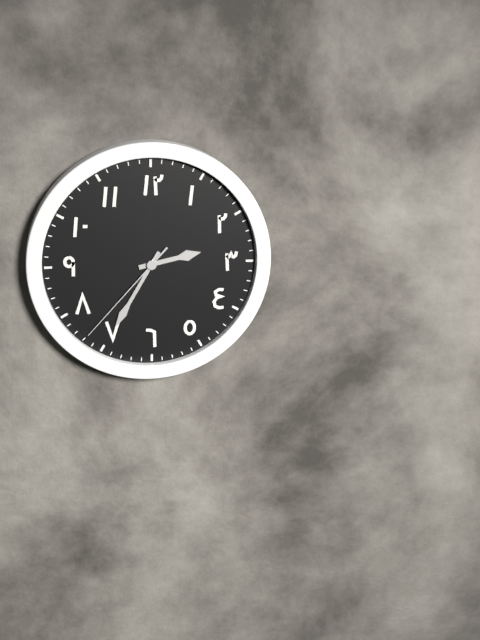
2.35.37
